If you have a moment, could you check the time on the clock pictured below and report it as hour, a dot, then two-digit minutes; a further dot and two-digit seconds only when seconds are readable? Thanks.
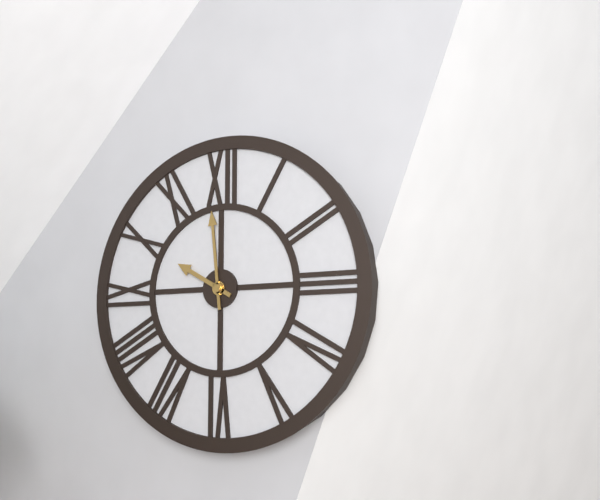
9.59
